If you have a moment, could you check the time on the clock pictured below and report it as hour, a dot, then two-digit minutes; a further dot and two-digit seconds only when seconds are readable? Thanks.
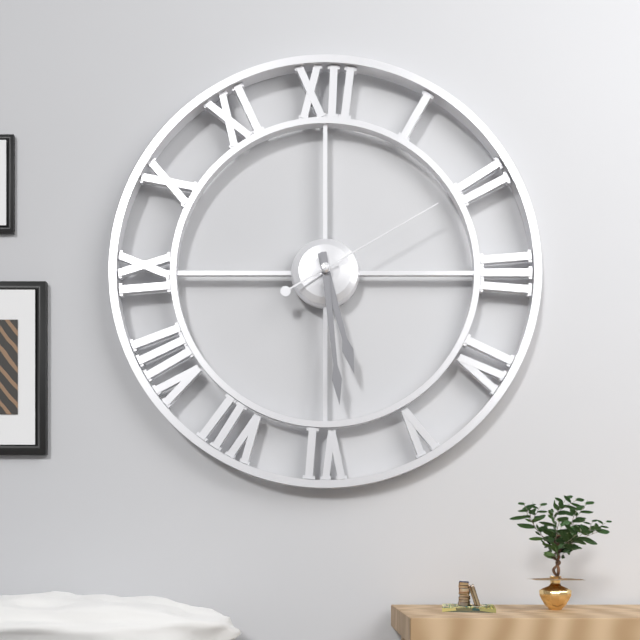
5.29.10
